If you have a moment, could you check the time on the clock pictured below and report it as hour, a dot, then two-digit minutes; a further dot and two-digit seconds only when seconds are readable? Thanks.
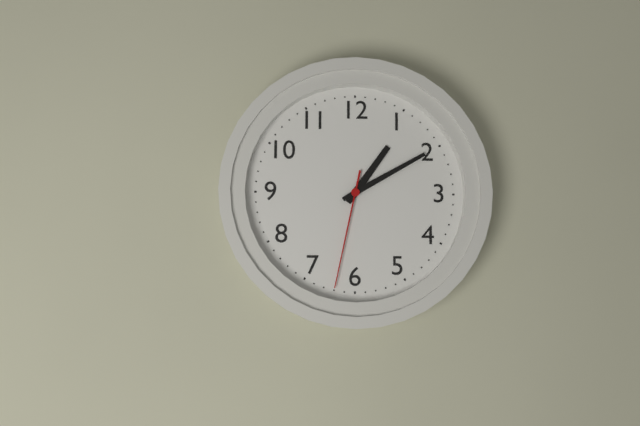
1.10.32
